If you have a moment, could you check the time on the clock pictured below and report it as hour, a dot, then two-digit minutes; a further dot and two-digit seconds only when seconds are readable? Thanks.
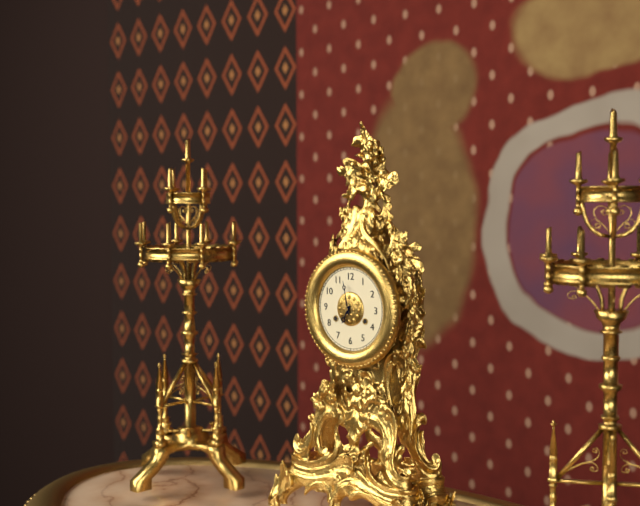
6.58
